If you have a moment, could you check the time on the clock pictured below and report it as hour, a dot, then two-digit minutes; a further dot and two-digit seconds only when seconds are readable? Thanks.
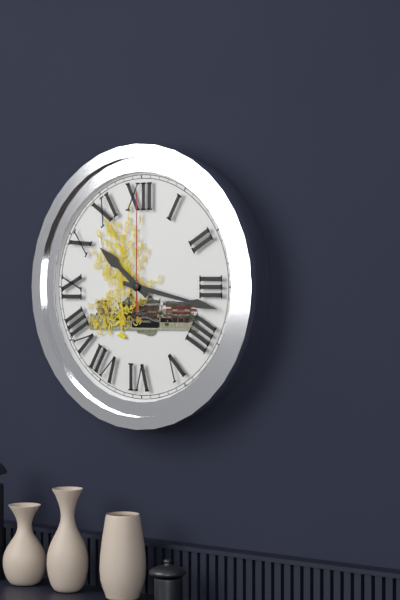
10.17.00
